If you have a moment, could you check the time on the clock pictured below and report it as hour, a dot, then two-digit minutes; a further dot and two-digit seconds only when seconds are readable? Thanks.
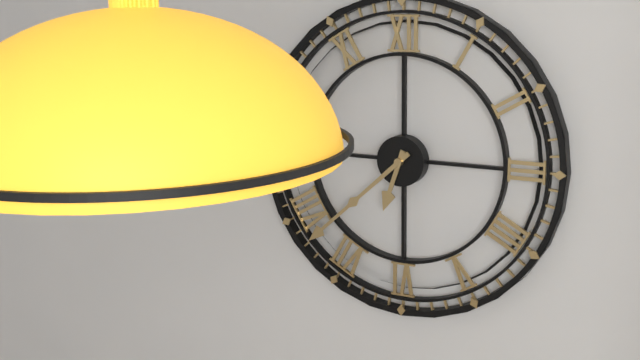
6.38
